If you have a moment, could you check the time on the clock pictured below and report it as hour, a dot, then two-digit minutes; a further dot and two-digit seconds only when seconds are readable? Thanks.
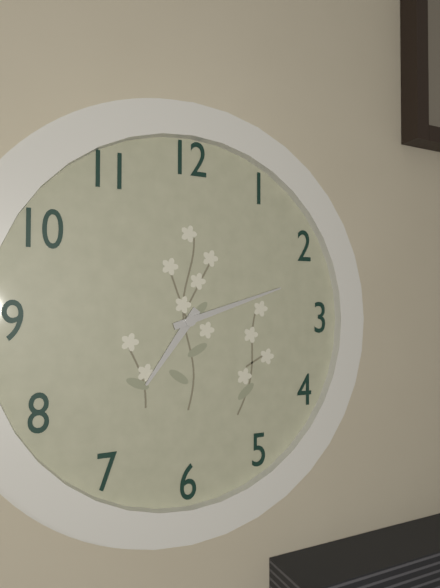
7.12
